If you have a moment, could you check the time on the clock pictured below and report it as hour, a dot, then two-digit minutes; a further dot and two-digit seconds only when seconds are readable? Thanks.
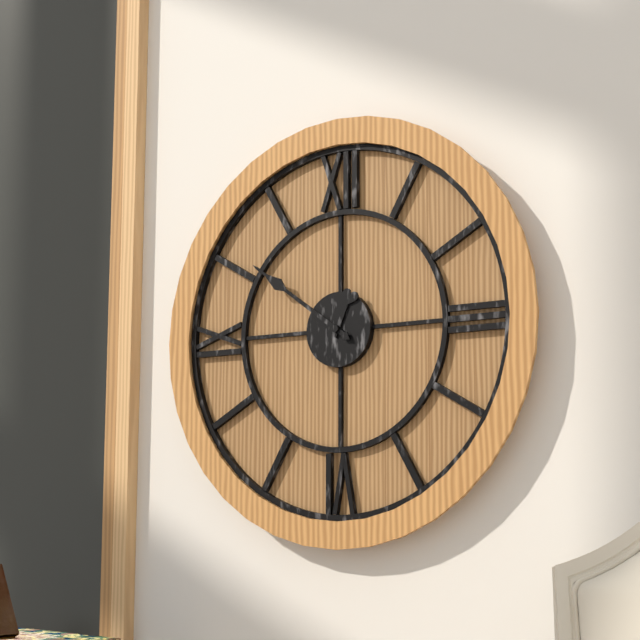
12.51
